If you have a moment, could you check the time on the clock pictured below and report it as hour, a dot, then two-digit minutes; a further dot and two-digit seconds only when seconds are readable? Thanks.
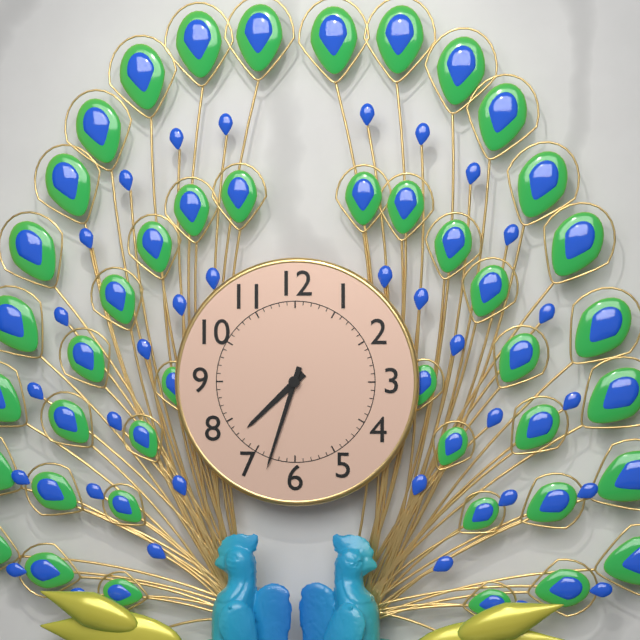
7.33
